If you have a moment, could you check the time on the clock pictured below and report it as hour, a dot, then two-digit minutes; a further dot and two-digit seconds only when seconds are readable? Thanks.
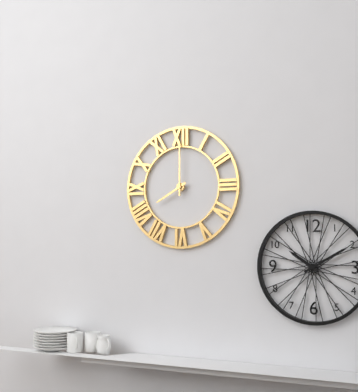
8.00
